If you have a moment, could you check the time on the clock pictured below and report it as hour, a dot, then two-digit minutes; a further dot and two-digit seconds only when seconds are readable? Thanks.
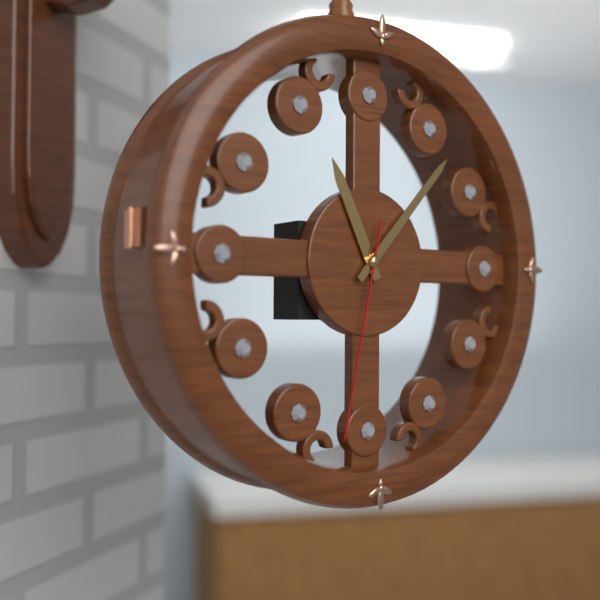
11.07.32
